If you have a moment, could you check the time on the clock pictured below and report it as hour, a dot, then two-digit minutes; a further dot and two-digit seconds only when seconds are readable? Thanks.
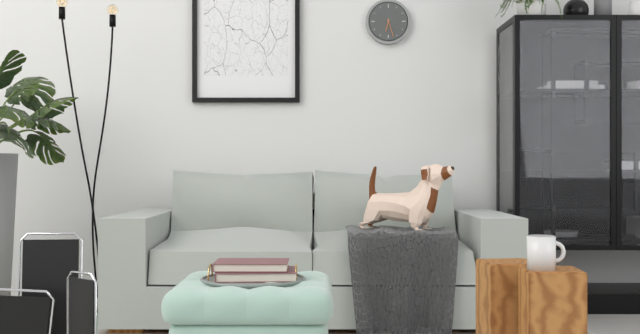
6.27
